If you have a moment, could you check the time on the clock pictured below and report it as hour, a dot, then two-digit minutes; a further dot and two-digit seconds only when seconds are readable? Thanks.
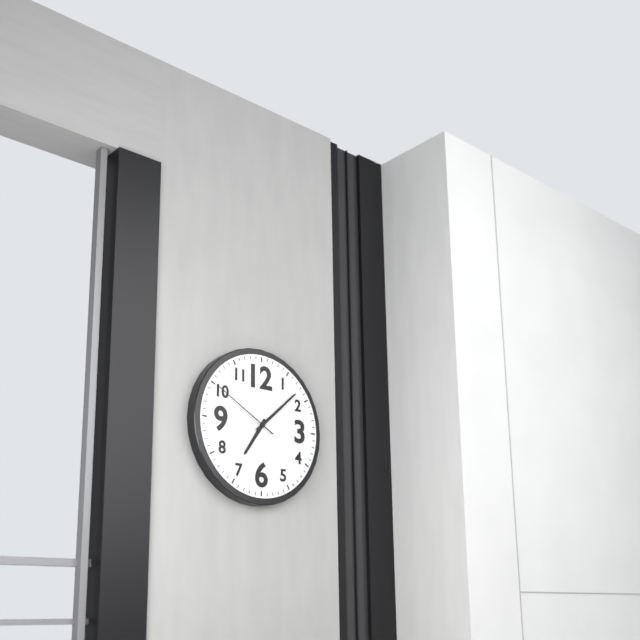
7.08.50
